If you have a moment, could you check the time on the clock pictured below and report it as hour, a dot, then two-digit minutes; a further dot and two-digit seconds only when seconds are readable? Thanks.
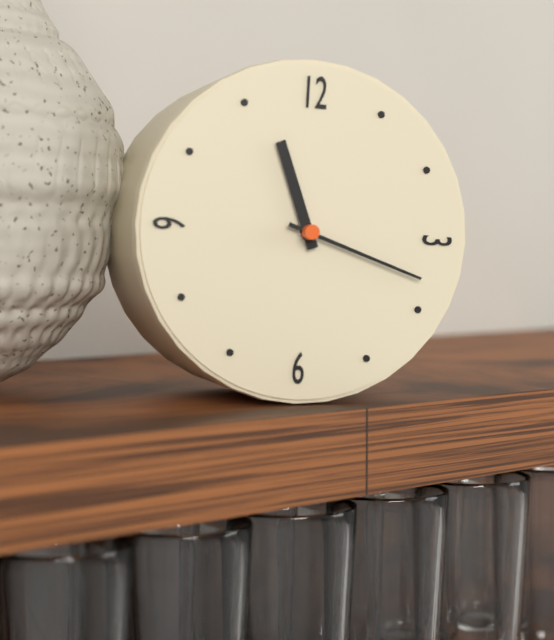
11.18
